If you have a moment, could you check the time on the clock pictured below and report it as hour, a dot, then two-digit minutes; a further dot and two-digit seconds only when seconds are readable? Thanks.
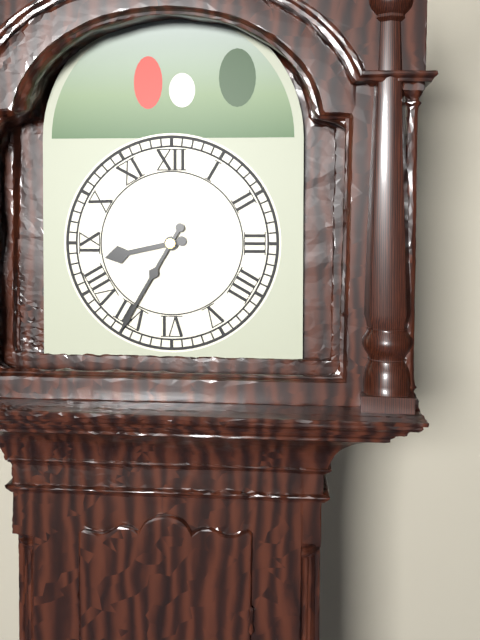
8.35
